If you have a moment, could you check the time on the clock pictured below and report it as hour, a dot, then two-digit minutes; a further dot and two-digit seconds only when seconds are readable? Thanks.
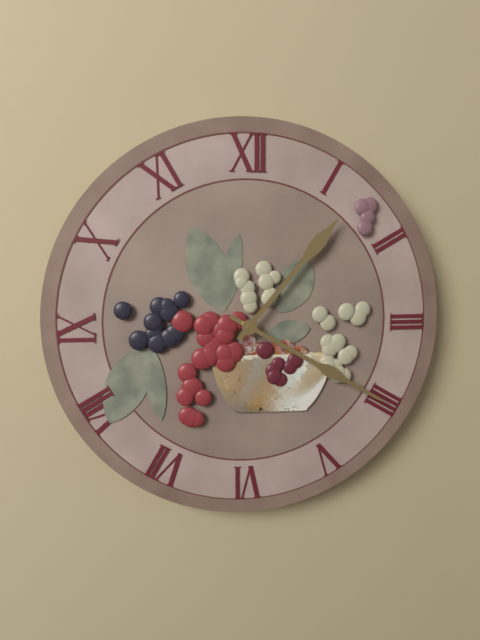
1.20
